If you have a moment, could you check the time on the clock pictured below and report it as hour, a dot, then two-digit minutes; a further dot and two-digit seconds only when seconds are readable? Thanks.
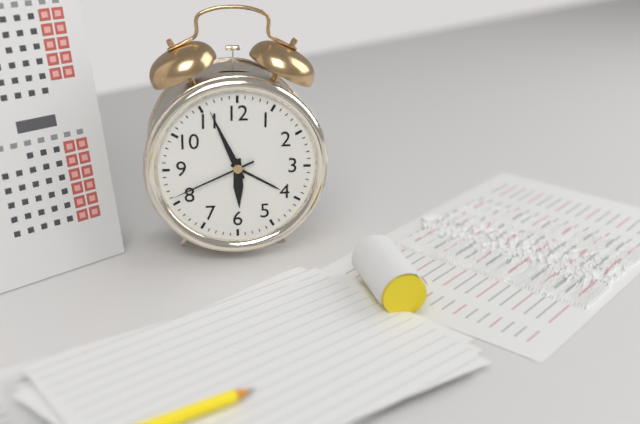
5.56.41
